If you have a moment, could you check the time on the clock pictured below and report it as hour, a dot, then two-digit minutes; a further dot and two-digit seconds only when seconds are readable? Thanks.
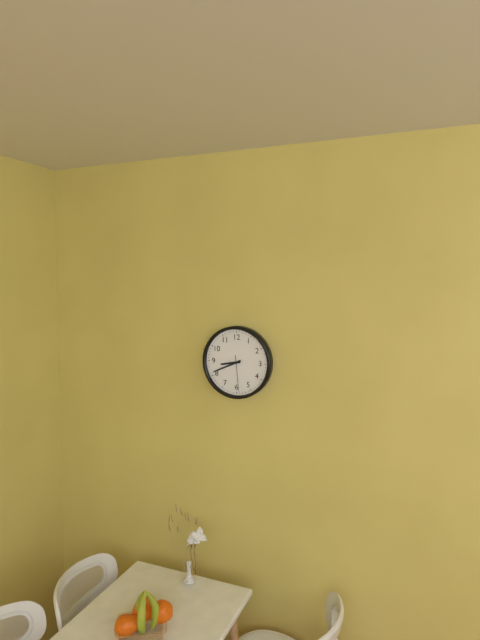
8.41
